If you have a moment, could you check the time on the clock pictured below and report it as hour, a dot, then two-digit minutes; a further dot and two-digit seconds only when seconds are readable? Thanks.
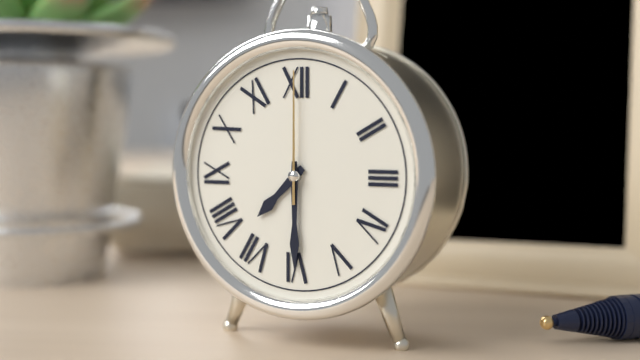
7.30.00
